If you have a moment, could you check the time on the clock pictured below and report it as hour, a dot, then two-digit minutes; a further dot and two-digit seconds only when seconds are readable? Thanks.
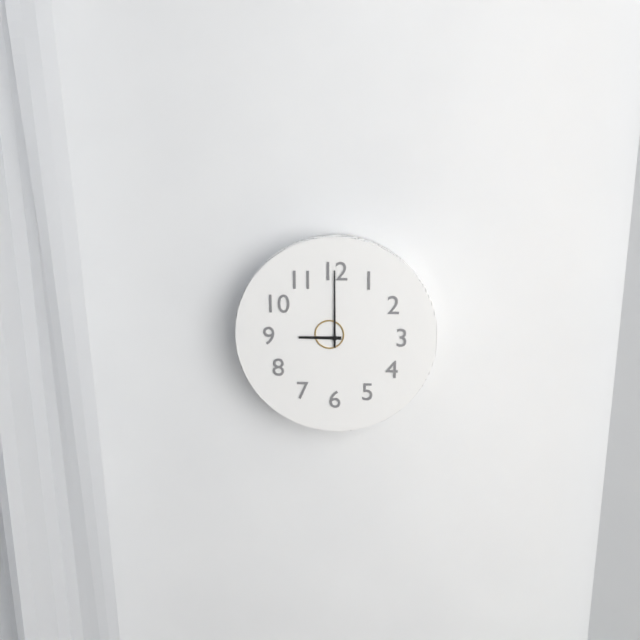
9.00
